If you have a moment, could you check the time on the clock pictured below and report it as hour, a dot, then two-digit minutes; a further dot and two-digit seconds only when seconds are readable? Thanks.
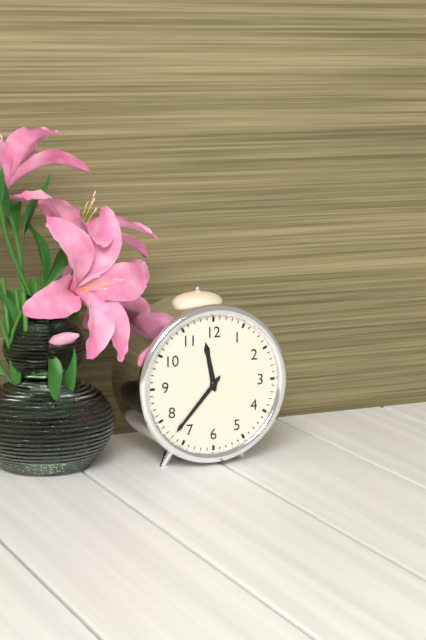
11.37
